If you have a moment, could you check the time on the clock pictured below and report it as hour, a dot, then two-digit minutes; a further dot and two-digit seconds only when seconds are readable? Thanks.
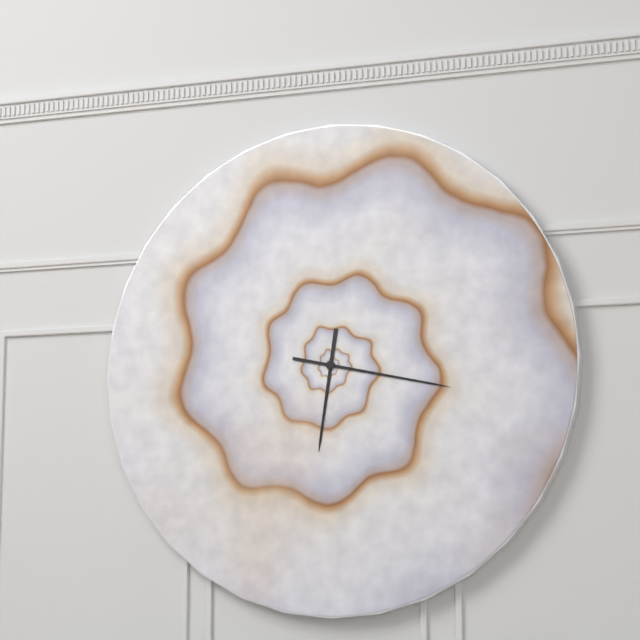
6.17
